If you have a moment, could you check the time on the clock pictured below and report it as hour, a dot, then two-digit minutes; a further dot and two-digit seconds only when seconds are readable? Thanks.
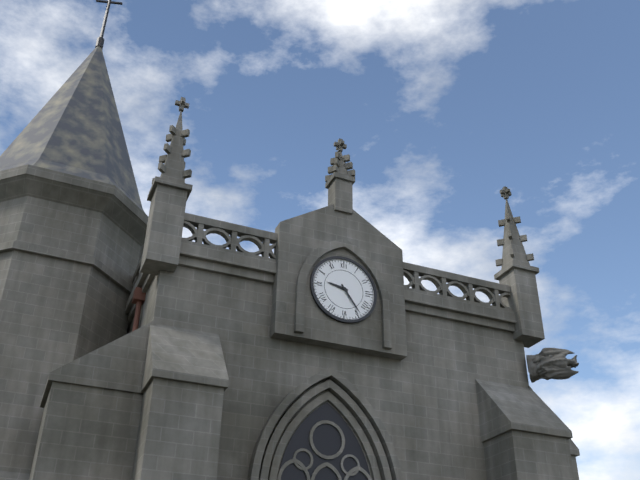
9.24
